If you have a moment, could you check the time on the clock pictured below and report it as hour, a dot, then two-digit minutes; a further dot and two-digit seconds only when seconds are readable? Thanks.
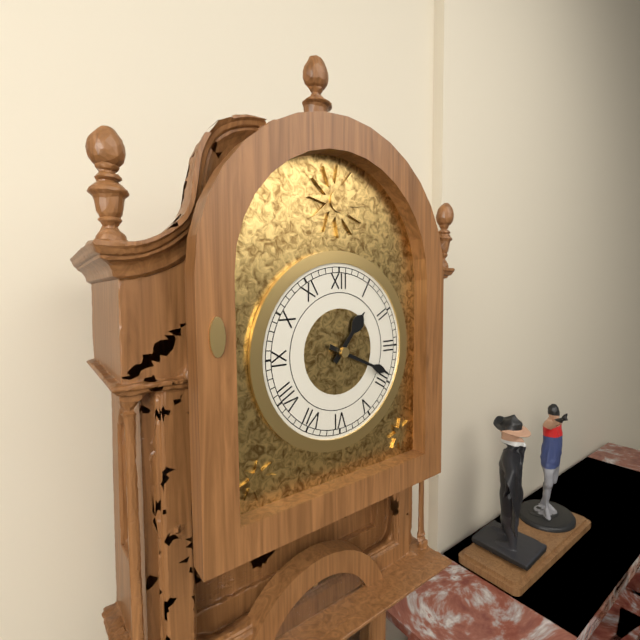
1.19
